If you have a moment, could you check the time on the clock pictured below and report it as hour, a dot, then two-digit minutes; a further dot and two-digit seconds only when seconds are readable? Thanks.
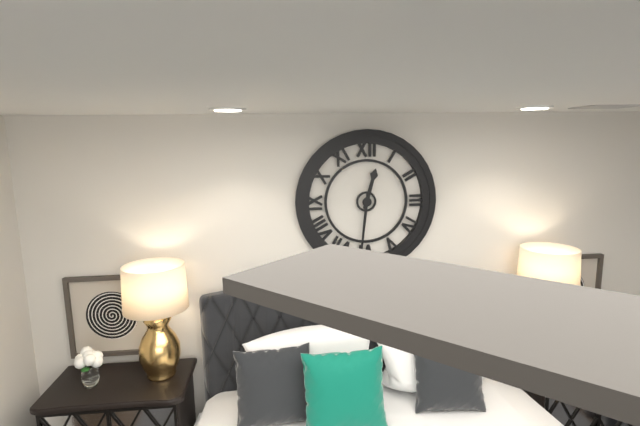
12.31
